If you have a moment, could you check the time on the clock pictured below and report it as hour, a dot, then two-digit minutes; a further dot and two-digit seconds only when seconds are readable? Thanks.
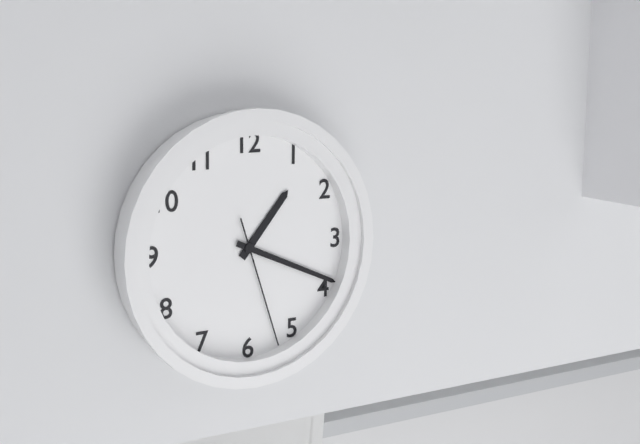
1.19.27
